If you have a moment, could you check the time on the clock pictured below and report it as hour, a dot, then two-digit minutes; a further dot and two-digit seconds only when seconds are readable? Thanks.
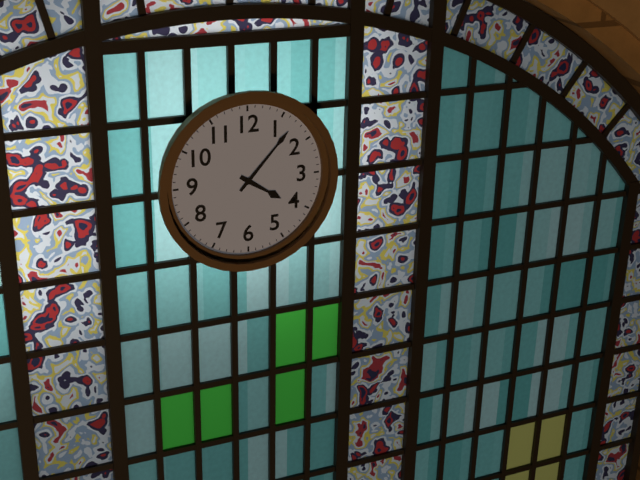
4.07
